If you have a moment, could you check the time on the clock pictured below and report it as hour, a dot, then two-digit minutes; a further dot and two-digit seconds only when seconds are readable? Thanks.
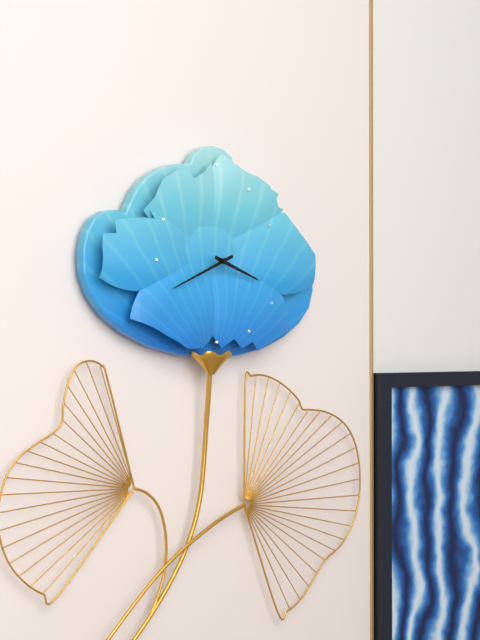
3.41
